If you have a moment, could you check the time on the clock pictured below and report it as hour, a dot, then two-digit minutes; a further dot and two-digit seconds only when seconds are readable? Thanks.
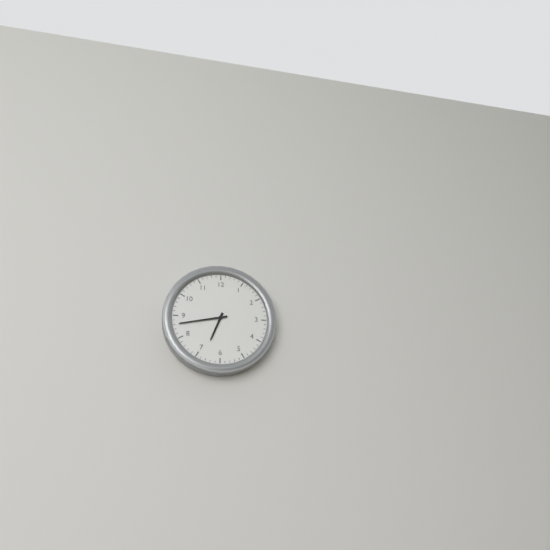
6.43
